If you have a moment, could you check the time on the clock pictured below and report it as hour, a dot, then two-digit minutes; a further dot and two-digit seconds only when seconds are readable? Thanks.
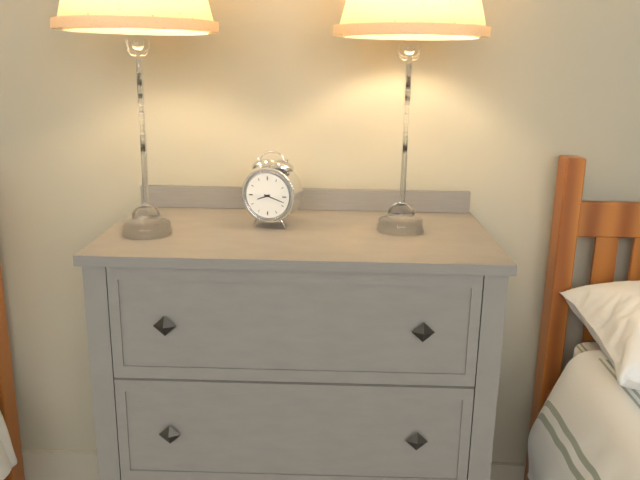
8.18
